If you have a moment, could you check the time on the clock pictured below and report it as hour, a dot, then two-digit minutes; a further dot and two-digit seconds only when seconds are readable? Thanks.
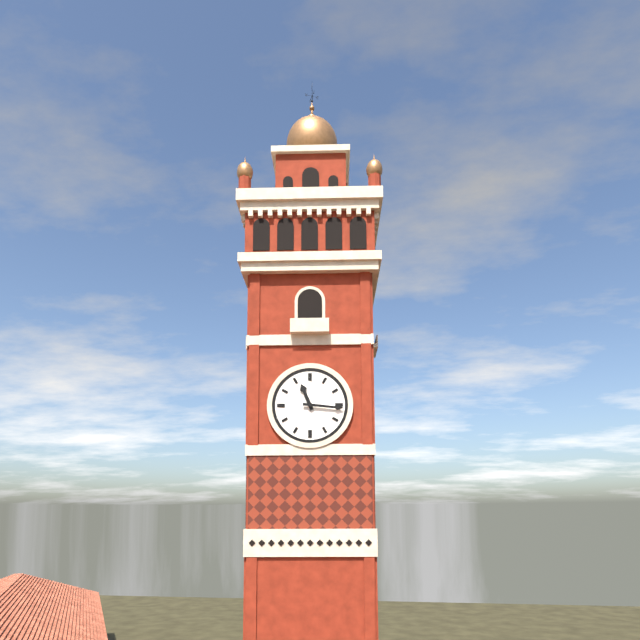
11.16
